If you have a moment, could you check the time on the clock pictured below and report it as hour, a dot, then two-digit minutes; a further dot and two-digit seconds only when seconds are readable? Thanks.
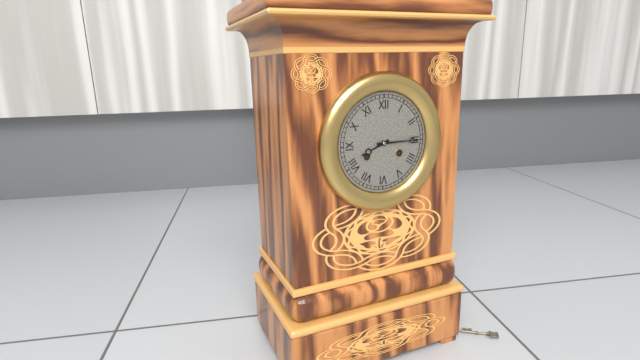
8.15
